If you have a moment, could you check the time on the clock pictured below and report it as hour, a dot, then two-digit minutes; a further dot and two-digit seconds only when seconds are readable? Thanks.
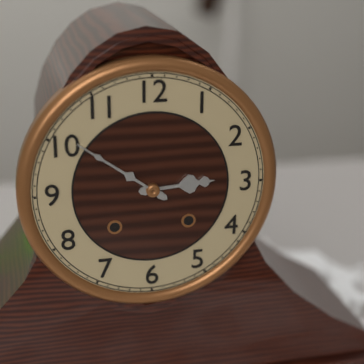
2.51
